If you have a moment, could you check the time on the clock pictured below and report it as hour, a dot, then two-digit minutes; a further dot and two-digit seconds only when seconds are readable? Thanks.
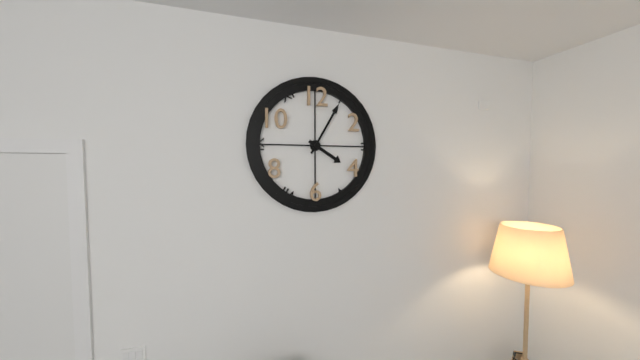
4.05
